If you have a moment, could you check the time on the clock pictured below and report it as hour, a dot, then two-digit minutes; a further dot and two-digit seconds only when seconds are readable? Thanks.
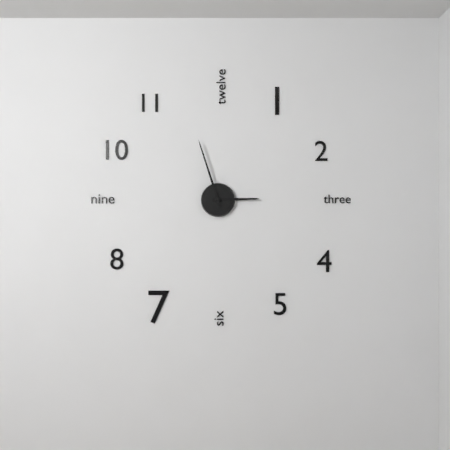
2.57
